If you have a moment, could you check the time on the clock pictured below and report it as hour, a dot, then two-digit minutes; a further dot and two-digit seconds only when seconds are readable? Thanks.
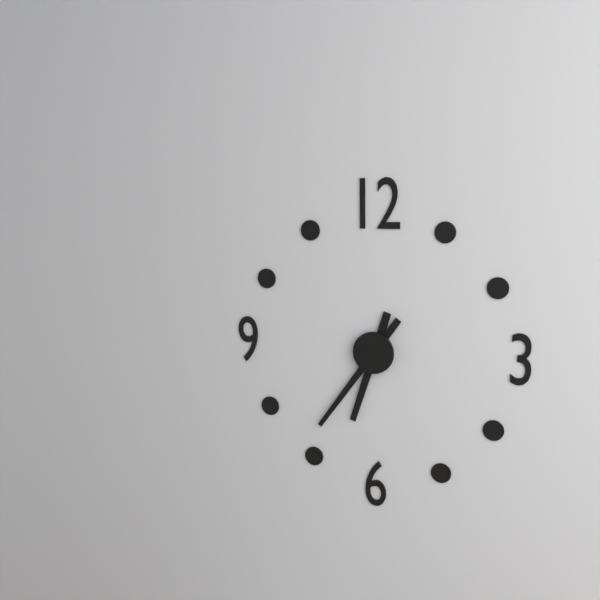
6.36
